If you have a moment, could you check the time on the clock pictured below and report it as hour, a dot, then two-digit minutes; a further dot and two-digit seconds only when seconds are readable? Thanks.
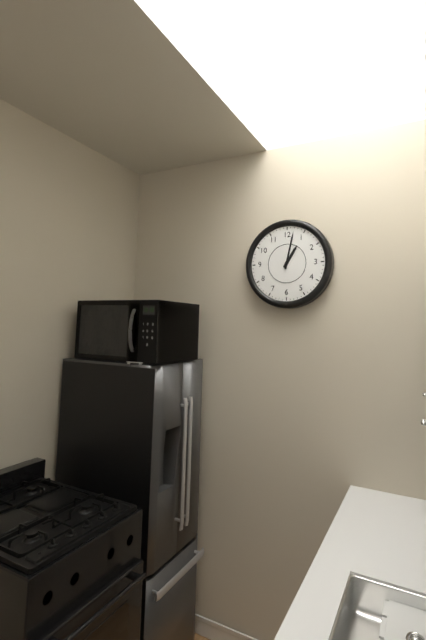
1.02
